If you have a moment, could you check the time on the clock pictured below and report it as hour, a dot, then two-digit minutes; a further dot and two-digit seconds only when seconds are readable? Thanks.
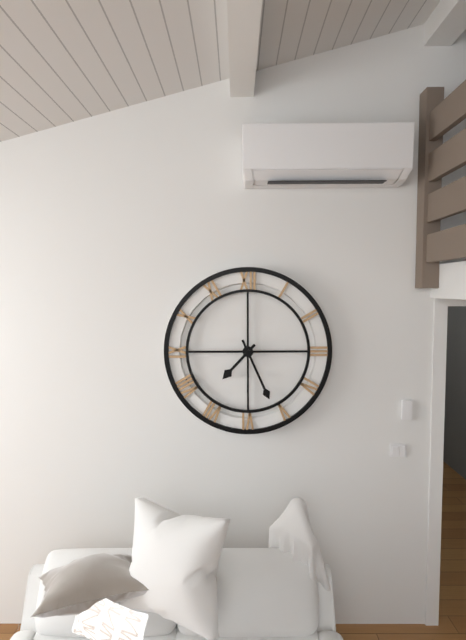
7.26
